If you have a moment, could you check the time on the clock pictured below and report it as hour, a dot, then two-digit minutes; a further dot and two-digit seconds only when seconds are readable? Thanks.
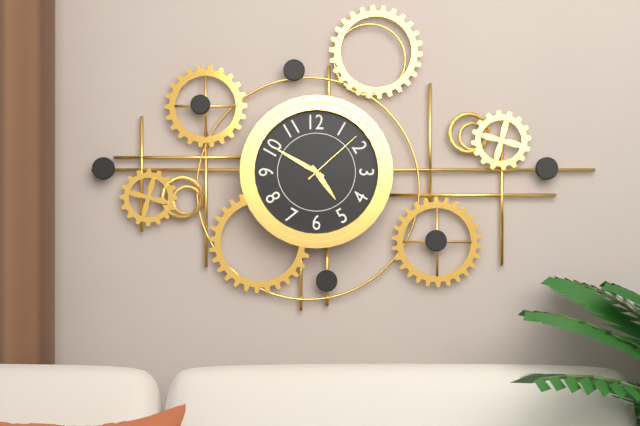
4.50.08
